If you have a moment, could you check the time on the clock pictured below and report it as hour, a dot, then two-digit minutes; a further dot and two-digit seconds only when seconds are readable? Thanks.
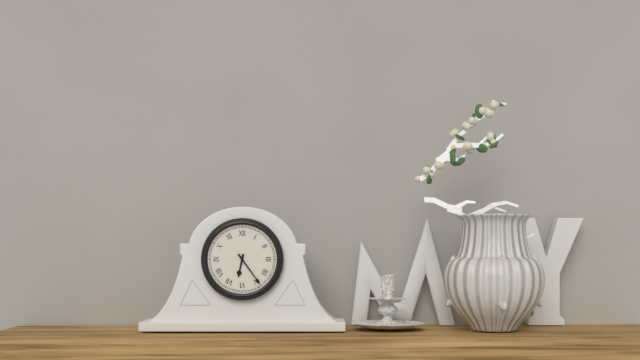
6.24
